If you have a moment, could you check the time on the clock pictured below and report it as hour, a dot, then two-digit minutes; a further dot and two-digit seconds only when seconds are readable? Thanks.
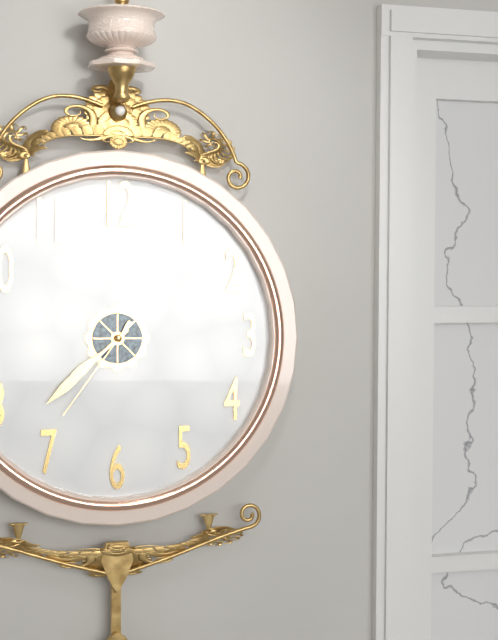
7.38.36
